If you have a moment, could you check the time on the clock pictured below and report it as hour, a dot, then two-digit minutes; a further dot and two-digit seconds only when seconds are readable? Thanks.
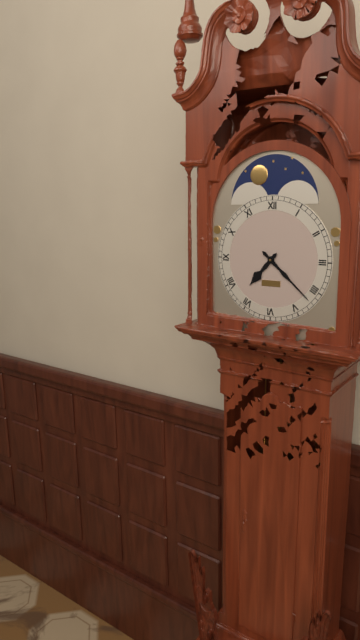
7.22
